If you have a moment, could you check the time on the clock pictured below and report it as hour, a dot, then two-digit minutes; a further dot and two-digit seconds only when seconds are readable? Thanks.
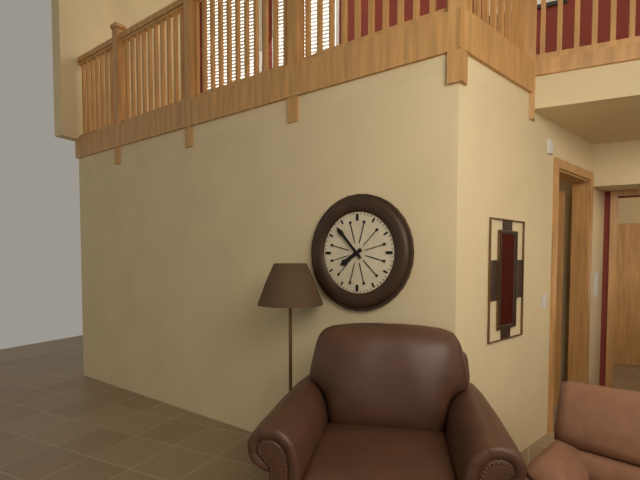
7.53
